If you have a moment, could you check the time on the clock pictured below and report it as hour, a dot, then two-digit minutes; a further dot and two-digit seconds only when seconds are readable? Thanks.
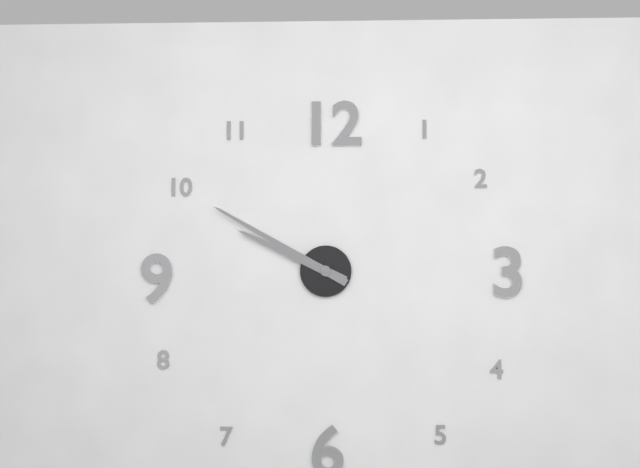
9.50
